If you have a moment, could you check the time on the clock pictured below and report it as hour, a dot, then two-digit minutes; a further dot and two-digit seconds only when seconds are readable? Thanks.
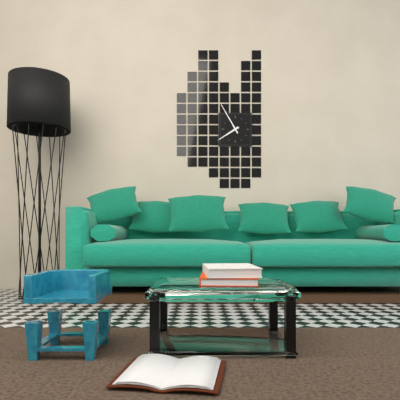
7.55
